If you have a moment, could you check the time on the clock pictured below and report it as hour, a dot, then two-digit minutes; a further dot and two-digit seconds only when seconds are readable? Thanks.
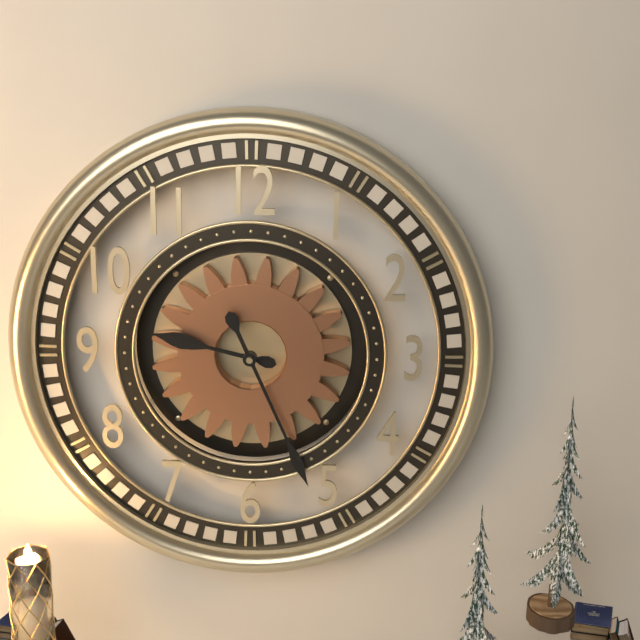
9.26
